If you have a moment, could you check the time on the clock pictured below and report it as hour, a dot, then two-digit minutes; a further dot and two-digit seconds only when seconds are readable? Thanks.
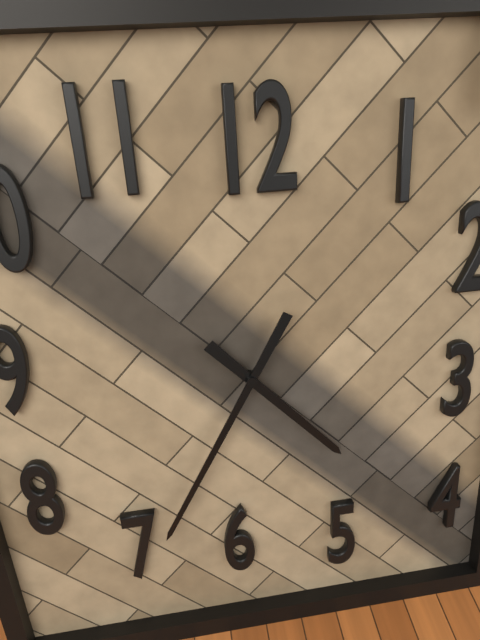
4.35
